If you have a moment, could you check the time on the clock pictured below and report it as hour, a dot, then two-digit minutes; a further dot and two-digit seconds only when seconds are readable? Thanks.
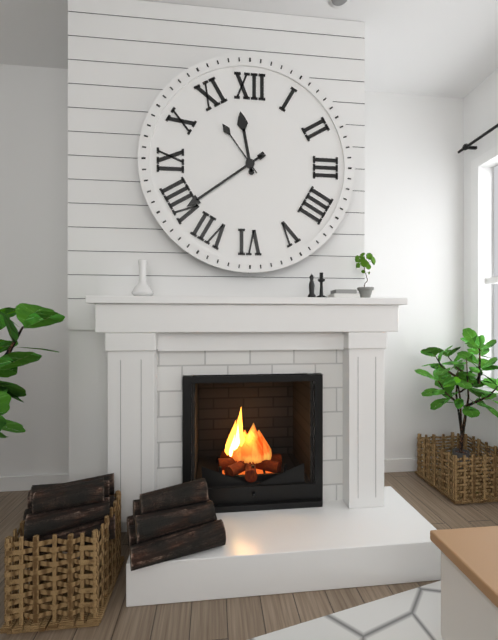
11.39.54
